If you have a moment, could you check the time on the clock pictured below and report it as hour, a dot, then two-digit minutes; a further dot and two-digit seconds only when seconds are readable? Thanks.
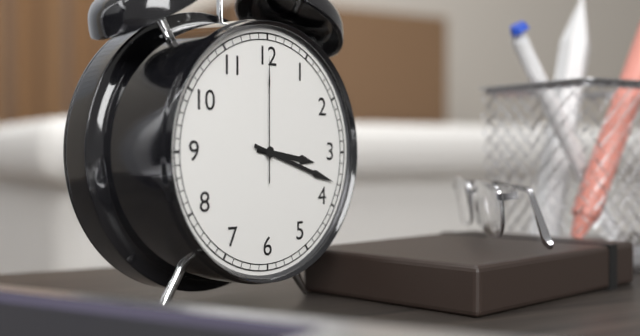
3.18.00
